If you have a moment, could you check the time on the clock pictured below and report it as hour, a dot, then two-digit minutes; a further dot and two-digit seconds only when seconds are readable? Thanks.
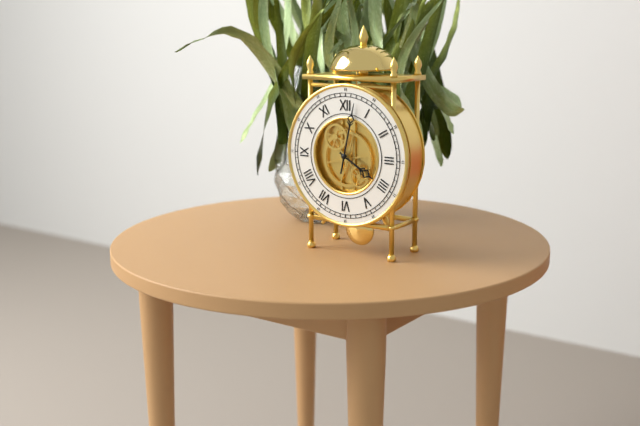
4.02
